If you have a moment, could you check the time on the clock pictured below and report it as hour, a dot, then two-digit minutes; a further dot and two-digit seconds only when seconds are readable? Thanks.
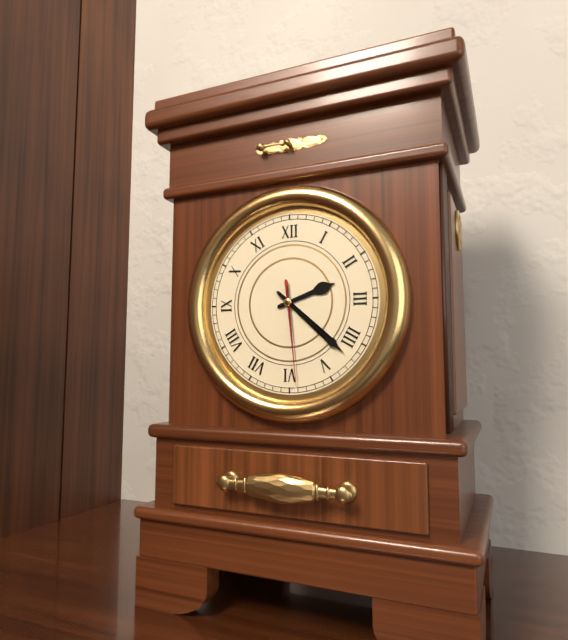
2.22.29
